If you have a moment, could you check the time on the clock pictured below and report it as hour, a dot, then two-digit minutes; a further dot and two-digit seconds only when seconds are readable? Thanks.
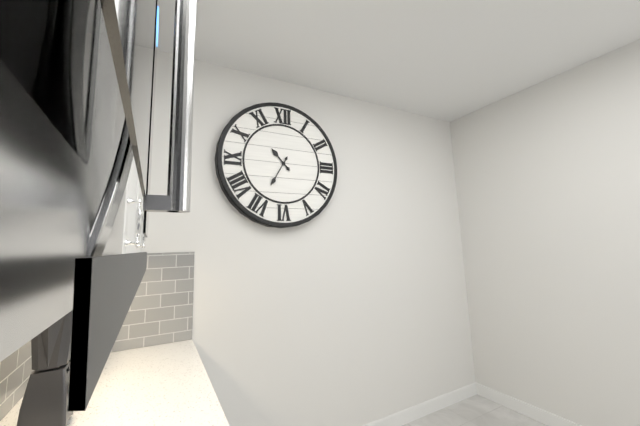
10.35
